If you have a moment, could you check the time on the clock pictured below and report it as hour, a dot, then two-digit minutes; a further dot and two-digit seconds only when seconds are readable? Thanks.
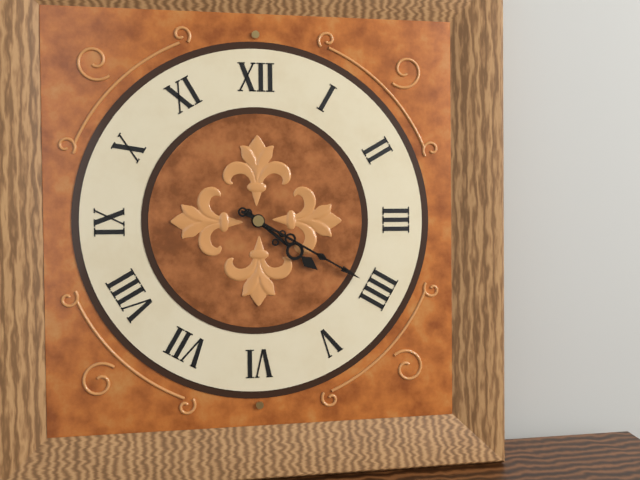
4.20
